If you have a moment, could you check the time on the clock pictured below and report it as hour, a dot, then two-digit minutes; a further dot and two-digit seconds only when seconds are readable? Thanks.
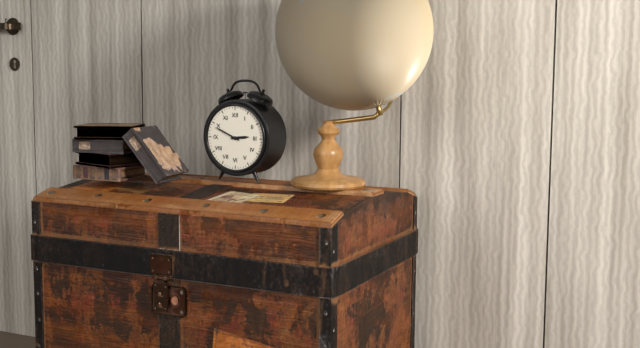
2.49
